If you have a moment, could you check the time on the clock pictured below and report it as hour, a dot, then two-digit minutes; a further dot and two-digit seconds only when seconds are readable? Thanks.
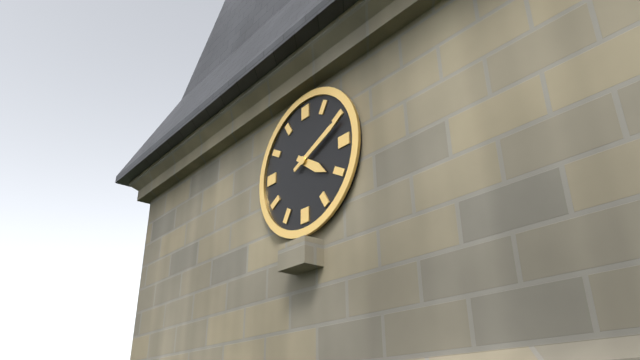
4.11
